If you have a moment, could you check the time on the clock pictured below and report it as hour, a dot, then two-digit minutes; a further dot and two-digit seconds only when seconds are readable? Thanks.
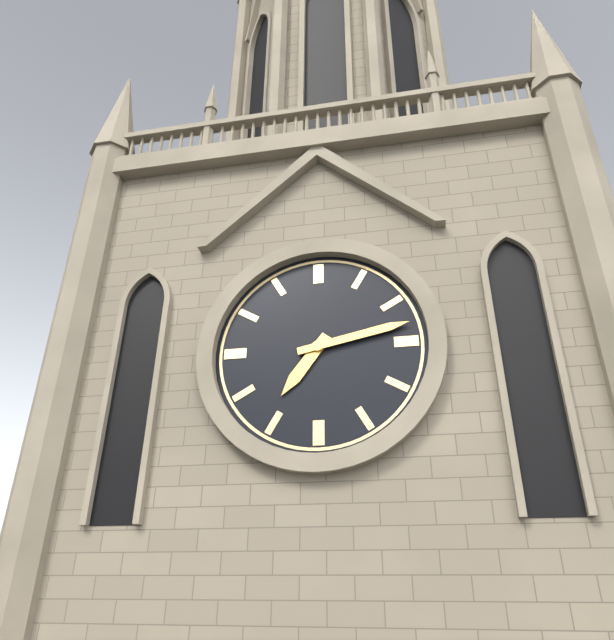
7.13
